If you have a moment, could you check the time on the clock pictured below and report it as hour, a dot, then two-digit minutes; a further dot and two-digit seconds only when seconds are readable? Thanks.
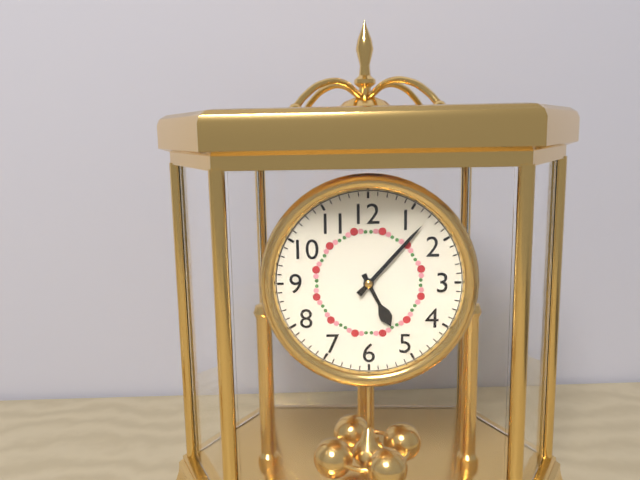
5.07
